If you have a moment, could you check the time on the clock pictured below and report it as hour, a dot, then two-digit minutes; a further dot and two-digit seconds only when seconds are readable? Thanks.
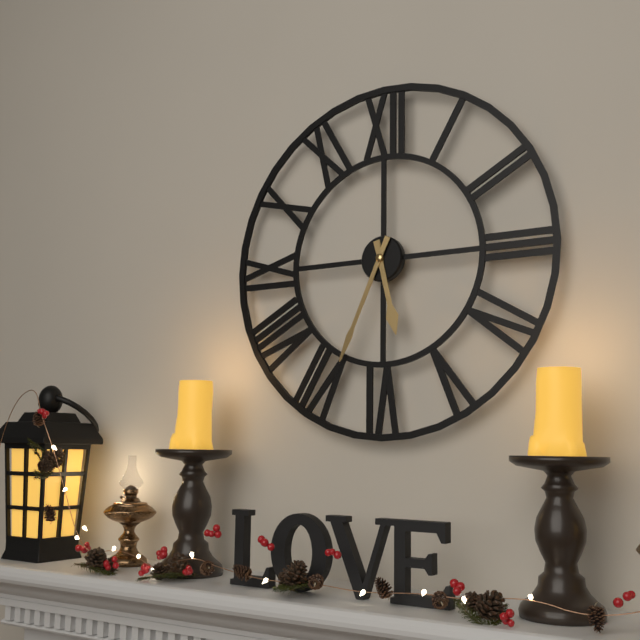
5.34
